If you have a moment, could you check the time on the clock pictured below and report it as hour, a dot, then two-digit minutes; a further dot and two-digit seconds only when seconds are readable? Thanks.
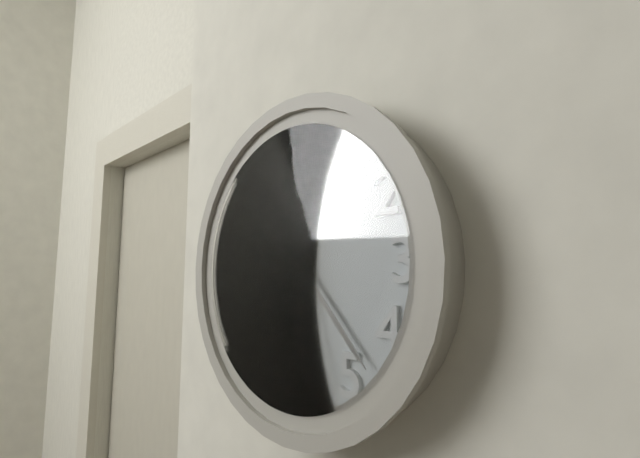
11.23.27
